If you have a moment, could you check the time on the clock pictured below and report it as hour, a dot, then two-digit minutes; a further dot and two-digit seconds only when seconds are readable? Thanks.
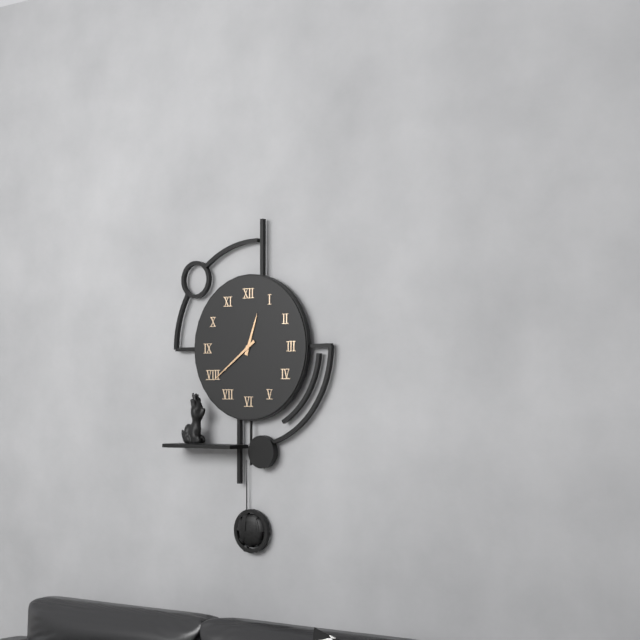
12.39
